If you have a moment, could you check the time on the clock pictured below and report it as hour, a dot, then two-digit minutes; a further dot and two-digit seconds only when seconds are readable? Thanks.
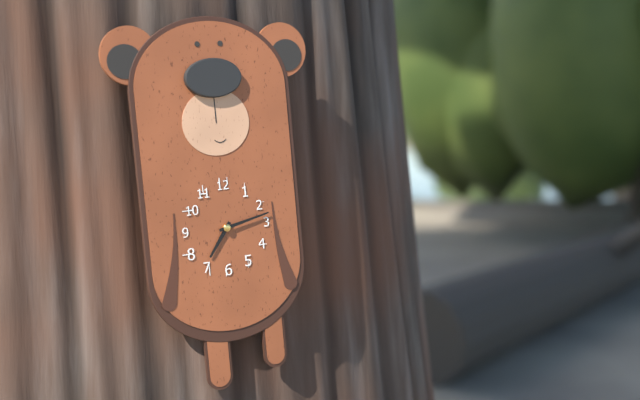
7.13
